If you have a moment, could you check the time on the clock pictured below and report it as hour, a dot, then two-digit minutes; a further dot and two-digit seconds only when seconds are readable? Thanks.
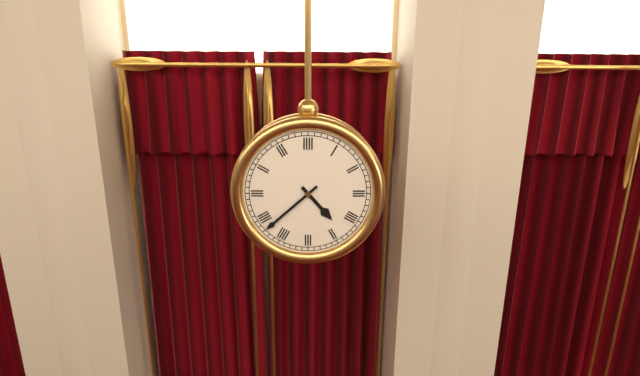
4.38
